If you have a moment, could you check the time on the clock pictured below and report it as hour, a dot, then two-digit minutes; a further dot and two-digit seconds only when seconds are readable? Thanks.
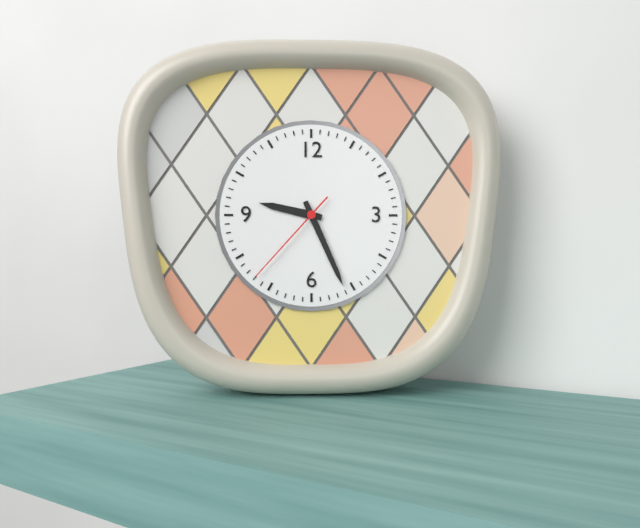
9.26.37
